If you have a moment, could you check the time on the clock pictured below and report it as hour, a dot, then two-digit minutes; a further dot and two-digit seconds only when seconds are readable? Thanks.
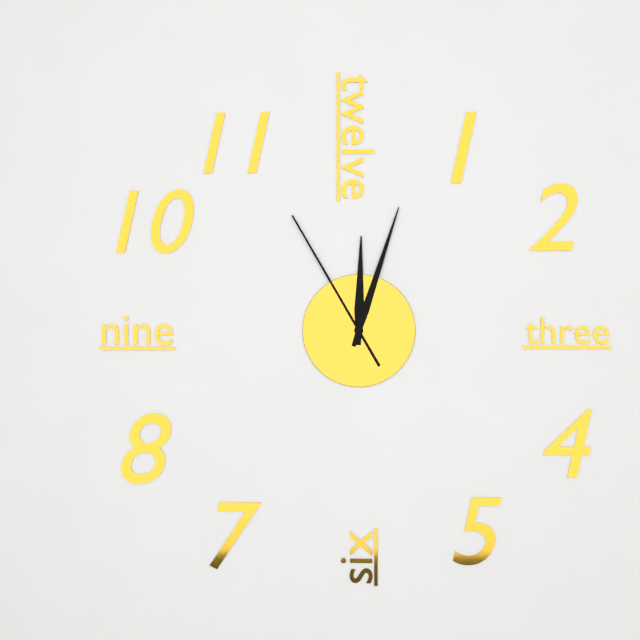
12.03.55
